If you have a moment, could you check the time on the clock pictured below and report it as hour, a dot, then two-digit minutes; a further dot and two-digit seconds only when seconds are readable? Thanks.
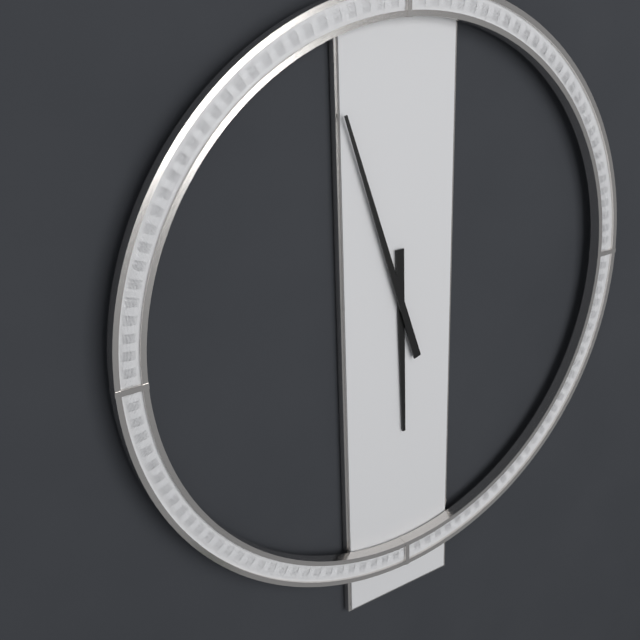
5.57
